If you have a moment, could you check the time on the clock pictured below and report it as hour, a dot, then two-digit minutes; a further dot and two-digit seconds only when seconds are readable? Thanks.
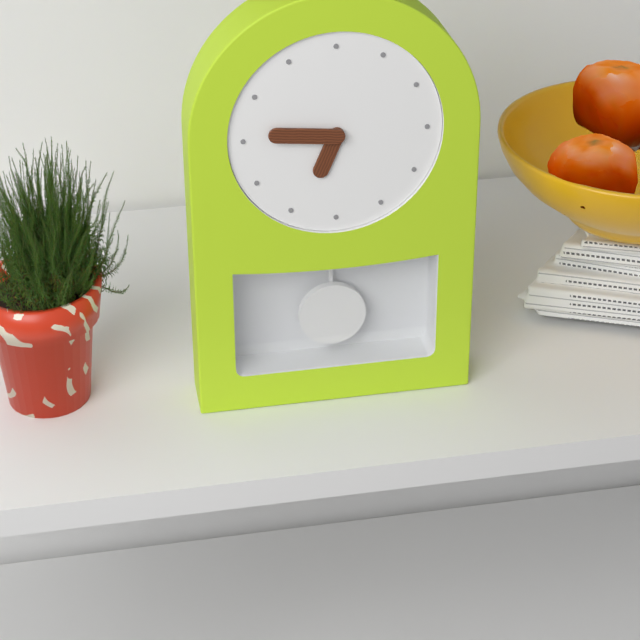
6.46
